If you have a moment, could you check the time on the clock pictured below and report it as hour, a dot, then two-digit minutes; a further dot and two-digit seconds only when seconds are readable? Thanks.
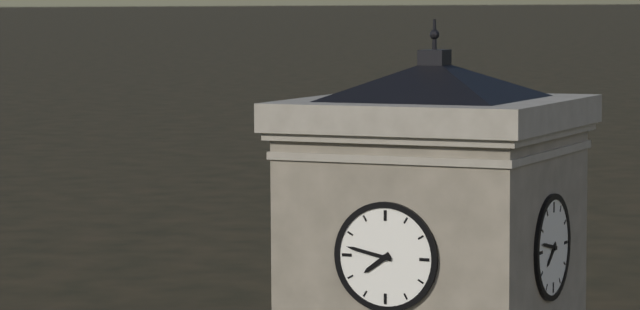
7.47
